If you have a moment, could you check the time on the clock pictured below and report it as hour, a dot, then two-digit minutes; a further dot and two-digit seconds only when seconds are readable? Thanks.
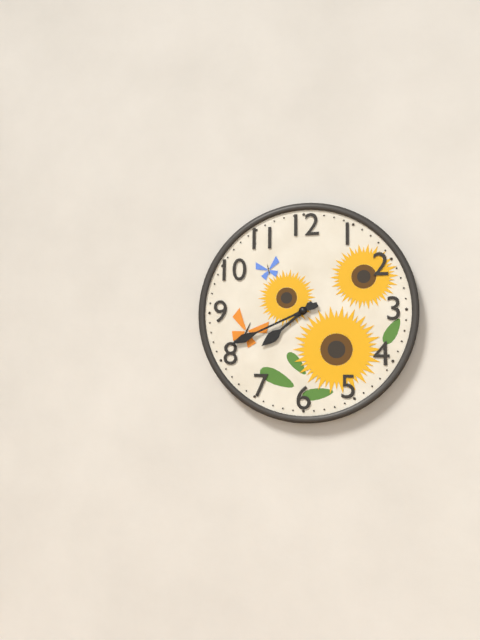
7.41
